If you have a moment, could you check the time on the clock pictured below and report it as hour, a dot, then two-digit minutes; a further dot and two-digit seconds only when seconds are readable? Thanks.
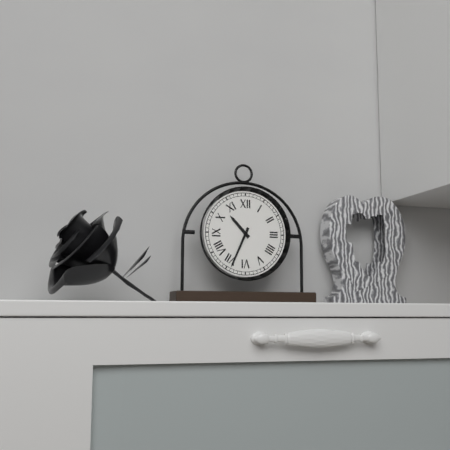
10.34
